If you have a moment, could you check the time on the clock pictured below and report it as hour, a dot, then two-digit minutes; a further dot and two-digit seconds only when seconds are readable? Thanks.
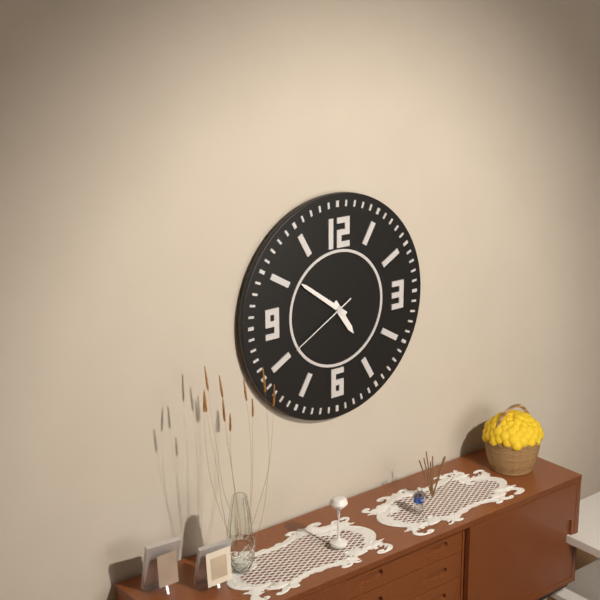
4.51.40
